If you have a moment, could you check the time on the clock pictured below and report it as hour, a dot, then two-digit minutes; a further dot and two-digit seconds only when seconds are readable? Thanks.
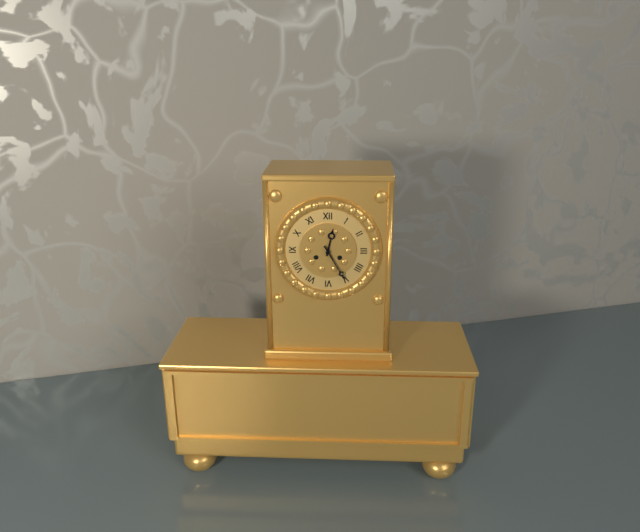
12.25
